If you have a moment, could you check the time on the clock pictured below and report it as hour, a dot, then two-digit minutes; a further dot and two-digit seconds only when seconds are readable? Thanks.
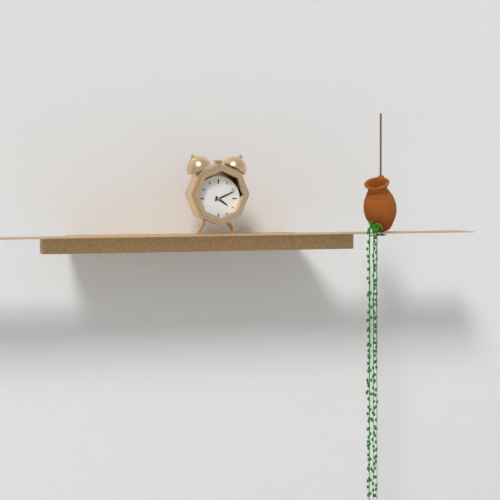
4.11
